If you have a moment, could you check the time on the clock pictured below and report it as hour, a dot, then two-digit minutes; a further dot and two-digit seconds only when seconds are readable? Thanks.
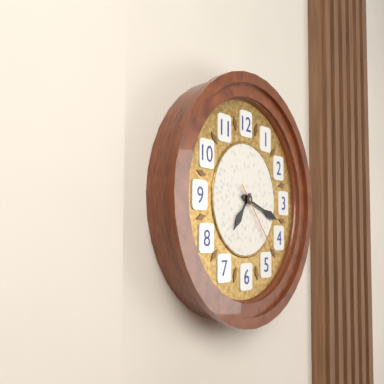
7.18.23
